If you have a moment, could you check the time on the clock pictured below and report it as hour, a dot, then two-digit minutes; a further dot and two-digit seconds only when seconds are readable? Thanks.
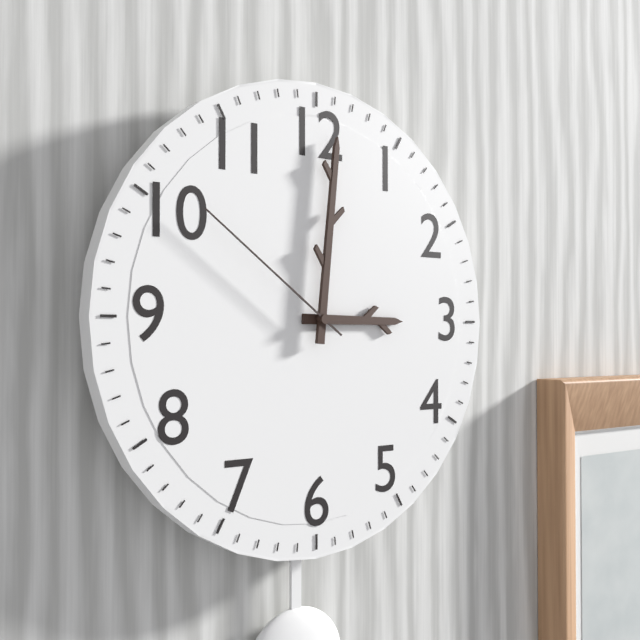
3.01.51
